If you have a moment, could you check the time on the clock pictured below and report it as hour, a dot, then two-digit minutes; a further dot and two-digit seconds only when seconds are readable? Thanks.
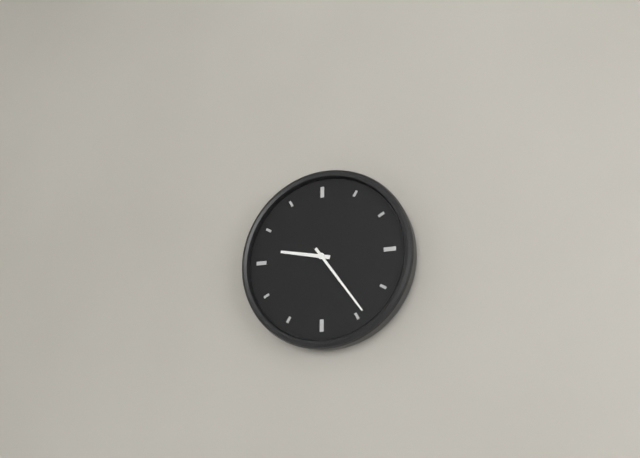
9.24
